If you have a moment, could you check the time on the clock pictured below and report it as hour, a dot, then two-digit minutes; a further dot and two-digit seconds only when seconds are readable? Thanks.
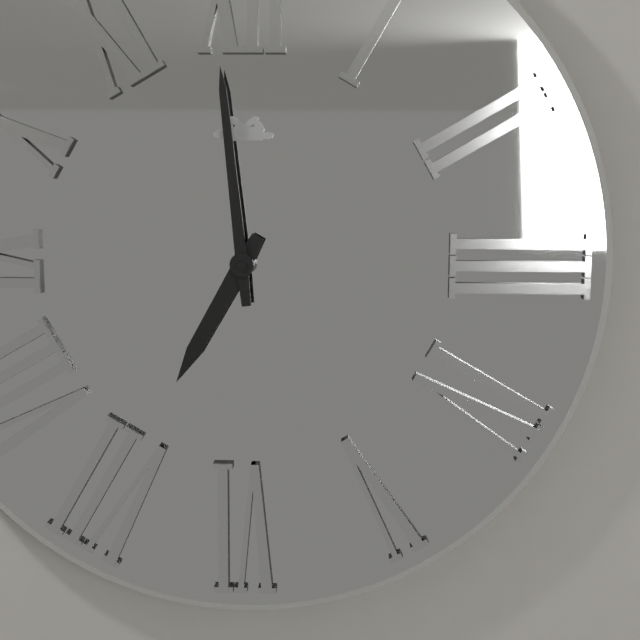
6.59
